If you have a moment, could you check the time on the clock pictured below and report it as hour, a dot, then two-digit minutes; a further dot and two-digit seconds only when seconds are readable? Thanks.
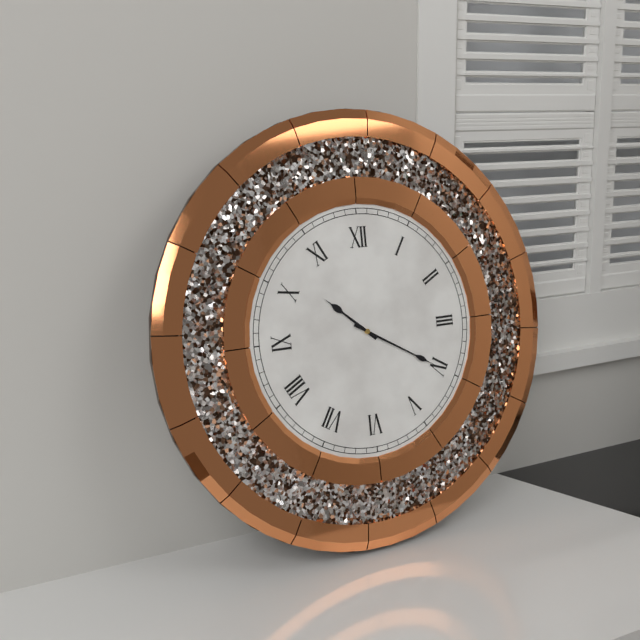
10.20
